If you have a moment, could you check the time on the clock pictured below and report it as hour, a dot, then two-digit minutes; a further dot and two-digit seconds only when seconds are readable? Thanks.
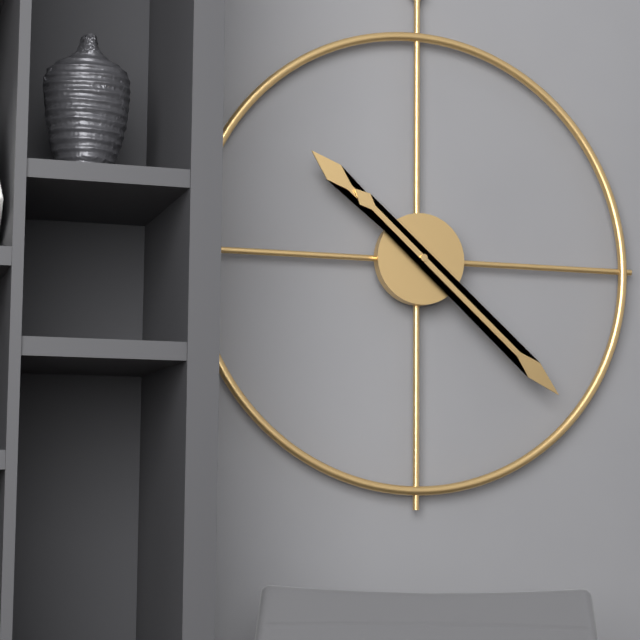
10.22
